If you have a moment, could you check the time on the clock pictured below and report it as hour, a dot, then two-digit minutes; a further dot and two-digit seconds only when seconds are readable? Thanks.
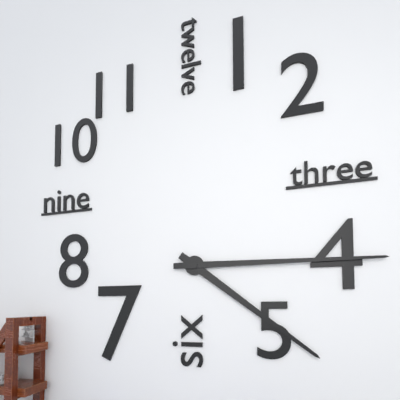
4.15
